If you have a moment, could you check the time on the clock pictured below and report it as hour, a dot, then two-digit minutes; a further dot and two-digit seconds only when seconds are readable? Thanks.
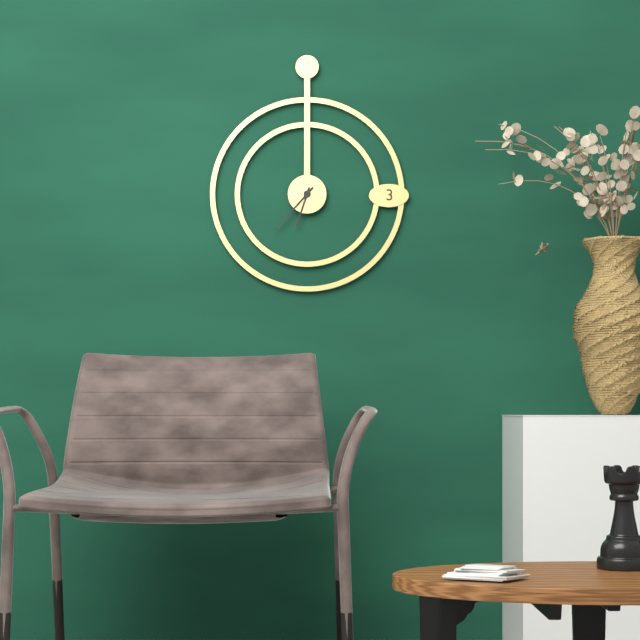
6.37
